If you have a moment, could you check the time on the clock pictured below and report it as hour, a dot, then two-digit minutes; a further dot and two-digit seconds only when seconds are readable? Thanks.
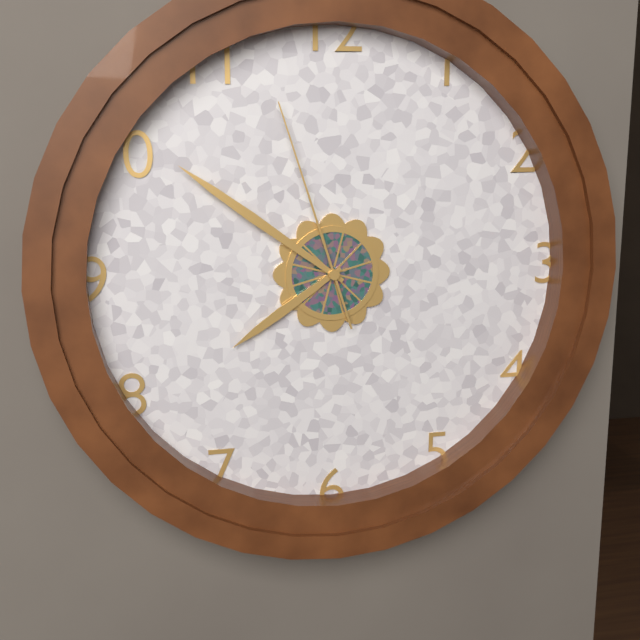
7.51.57
